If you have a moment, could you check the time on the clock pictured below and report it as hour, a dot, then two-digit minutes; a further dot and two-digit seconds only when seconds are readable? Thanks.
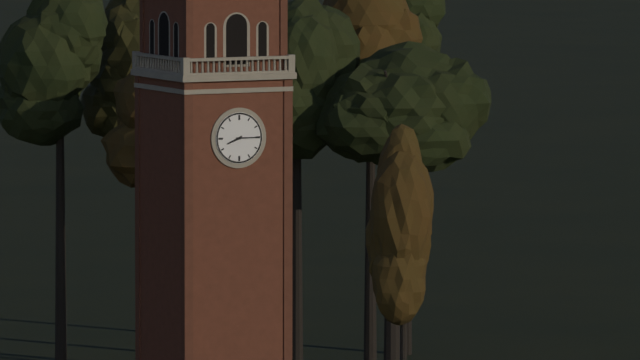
8.15
